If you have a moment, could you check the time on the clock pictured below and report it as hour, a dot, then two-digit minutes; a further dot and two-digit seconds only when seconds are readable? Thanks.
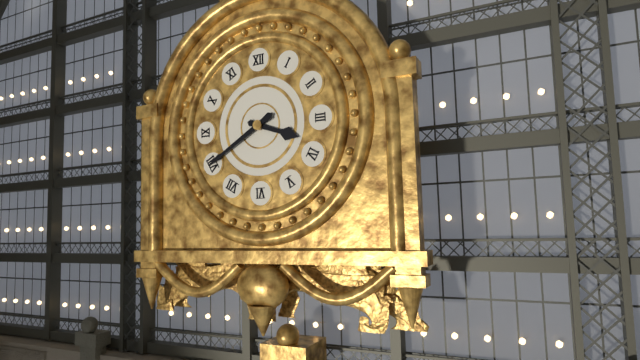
3.40
